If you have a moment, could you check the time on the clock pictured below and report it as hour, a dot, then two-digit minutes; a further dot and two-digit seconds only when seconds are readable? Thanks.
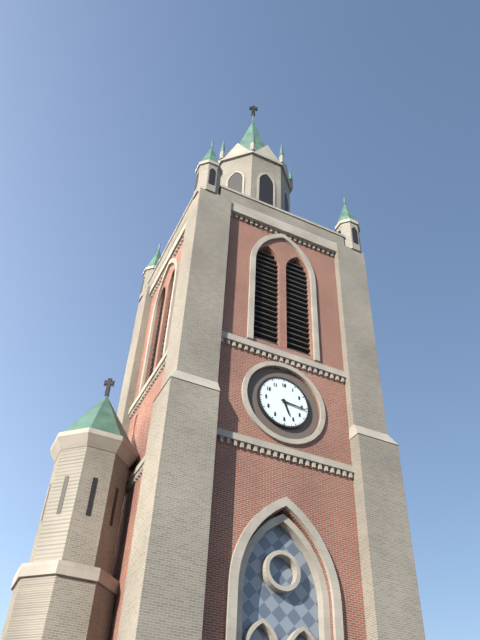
5.16
